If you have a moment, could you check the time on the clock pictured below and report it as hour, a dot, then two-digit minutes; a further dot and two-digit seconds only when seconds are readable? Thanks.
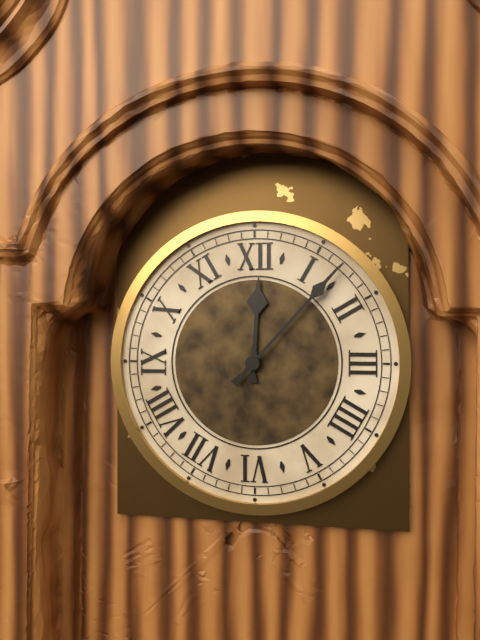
12.07
